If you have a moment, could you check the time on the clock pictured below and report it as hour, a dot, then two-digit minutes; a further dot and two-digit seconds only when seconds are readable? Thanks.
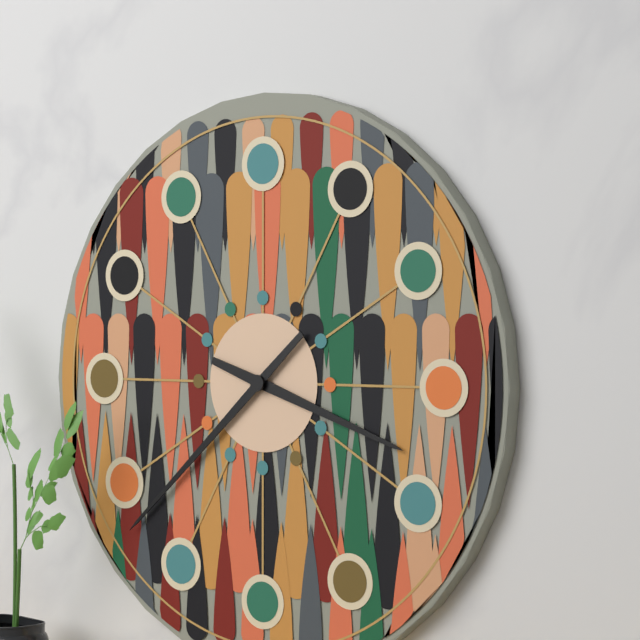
3.38
